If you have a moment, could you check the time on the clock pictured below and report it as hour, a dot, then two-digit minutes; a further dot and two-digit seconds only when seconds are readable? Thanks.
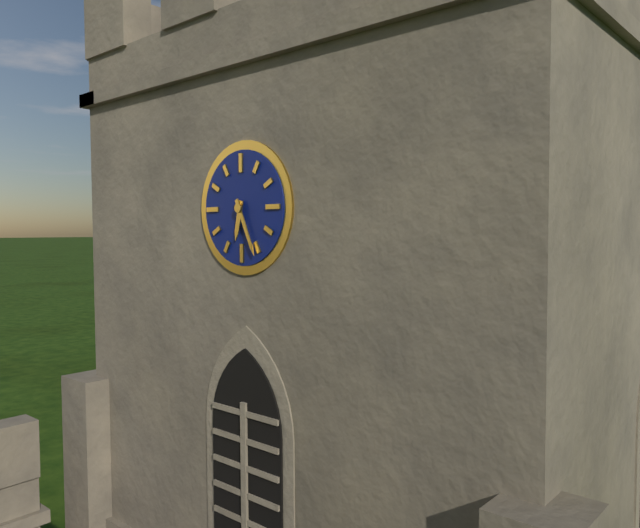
6.26
